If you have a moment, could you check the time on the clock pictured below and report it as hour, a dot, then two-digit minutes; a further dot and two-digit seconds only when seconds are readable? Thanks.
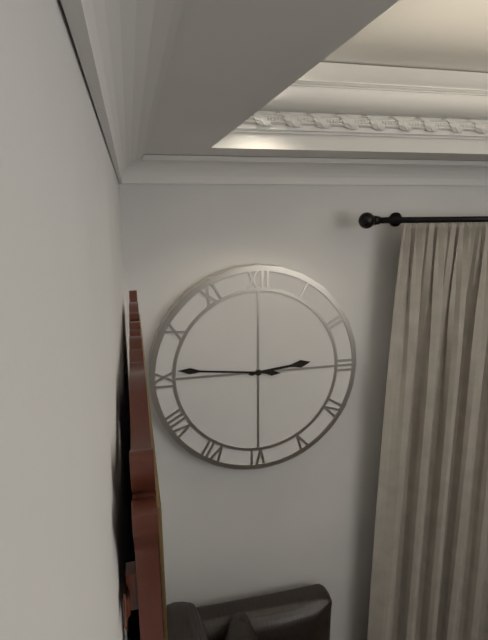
2.46
